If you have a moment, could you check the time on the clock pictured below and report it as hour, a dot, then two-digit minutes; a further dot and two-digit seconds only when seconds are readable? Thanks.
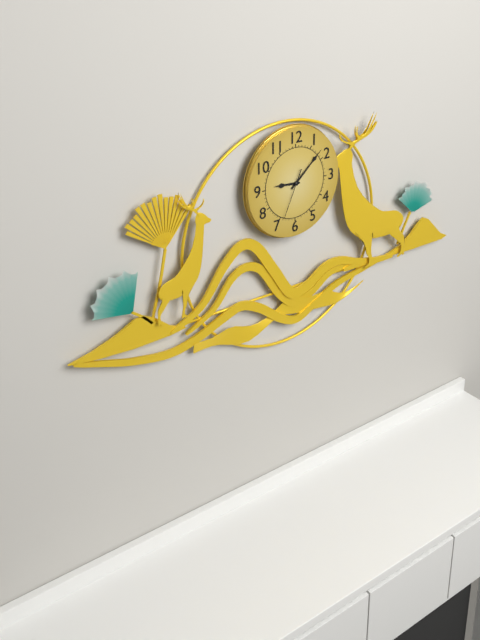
9.08.34
